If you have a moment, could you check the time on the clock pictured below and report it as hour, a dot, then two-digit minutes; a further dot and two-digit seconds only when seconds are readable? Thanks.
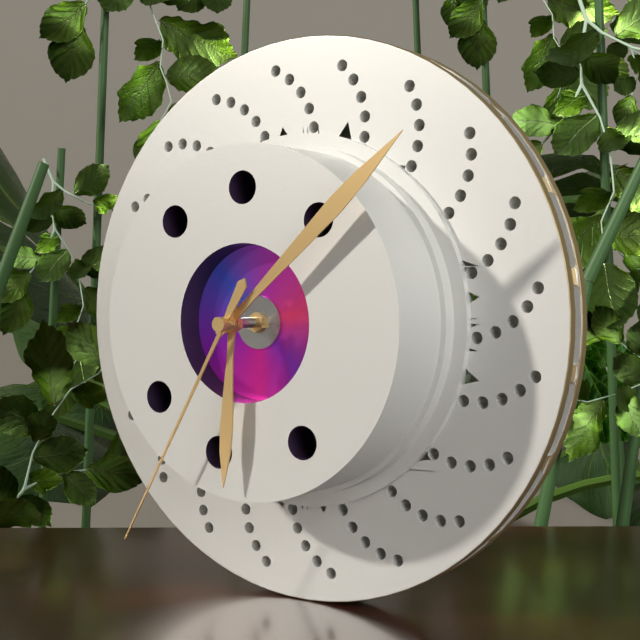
6.08.35
